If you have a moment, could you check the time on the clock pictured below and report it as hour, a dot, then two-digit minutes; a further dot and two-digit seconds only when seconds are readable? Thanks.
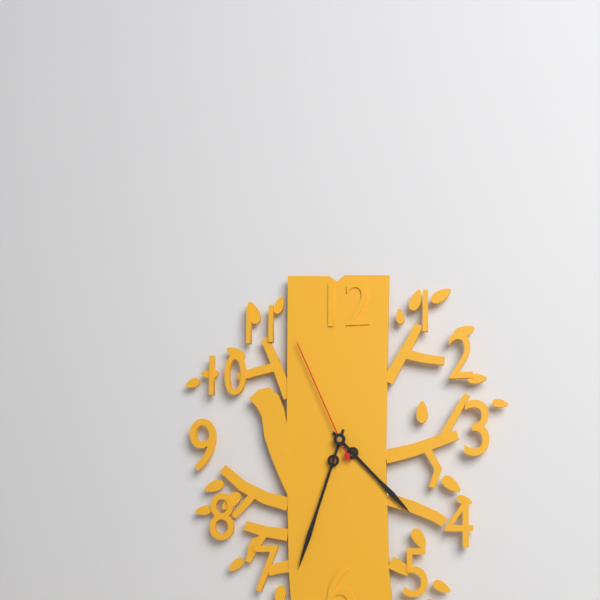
4.33.56
